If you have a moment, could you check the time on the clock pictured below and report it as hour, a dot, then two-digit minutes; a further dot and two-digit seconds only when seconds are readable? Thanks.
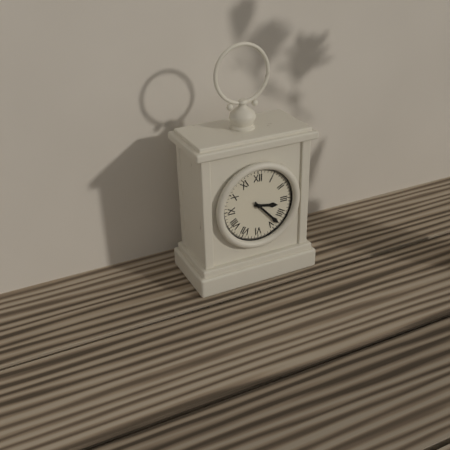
3.23
